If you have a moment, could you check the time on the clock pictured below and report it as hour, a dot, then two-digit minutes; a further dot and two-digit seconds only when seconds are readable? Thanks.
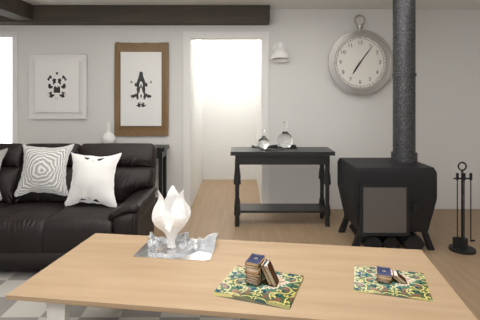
7.06
